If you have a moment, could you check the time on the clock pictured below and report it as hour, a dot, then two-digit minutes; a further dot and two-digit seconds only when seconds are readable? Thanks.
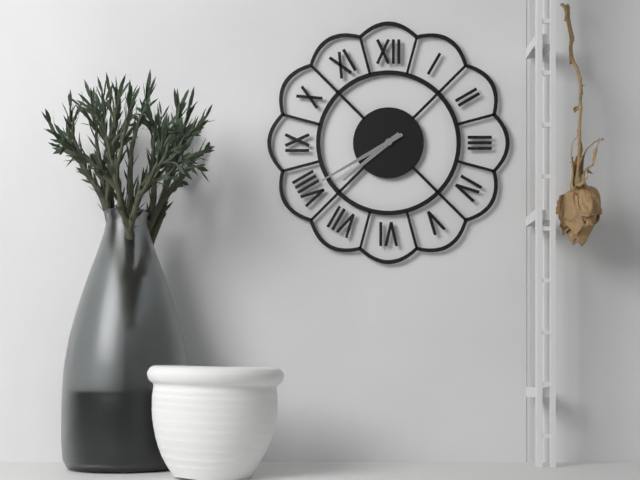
7.40
